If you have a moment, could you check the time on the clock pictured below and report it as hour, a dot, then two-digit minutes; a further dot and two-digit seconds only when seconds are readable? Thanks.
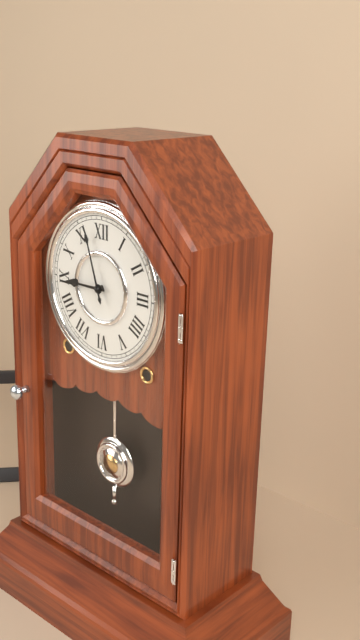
8.57
